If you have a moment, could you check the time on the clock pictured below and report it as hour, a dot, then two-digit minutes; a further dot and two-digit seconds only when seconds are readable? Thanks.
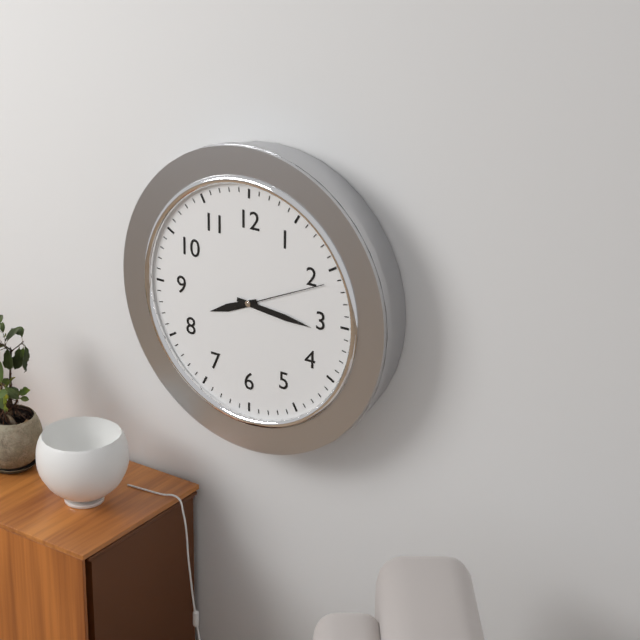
8.16.11
